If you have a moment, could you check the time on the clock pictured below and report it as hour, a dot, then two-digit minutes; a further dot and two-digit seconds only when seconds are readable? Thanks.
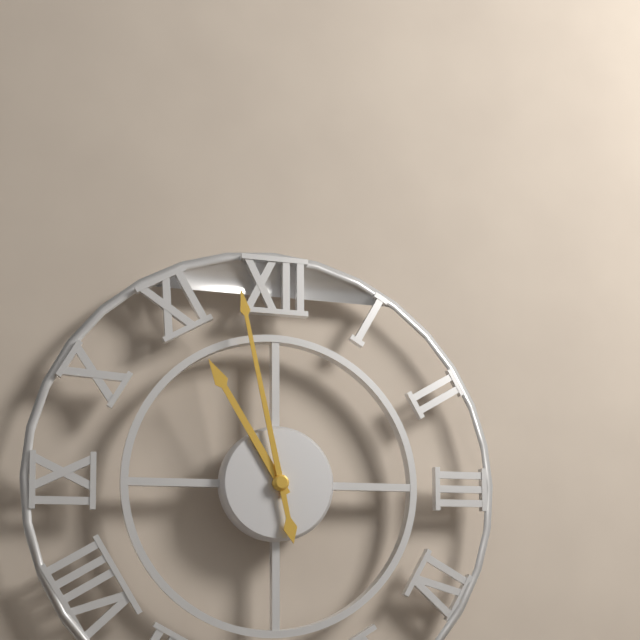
10.58
